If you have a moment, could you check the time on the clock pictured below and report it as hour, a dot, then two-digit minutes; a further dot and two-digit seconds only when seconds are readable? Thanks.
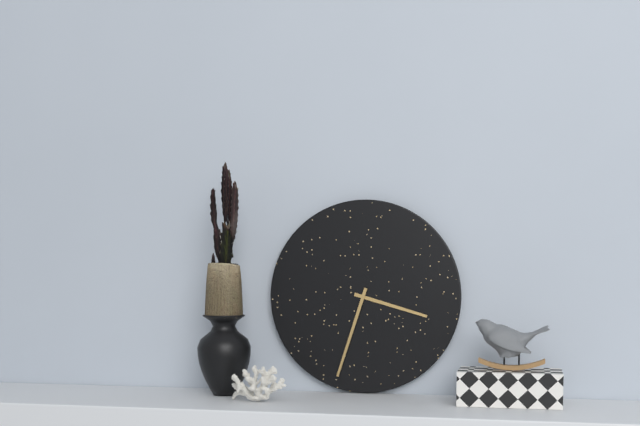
3.33
